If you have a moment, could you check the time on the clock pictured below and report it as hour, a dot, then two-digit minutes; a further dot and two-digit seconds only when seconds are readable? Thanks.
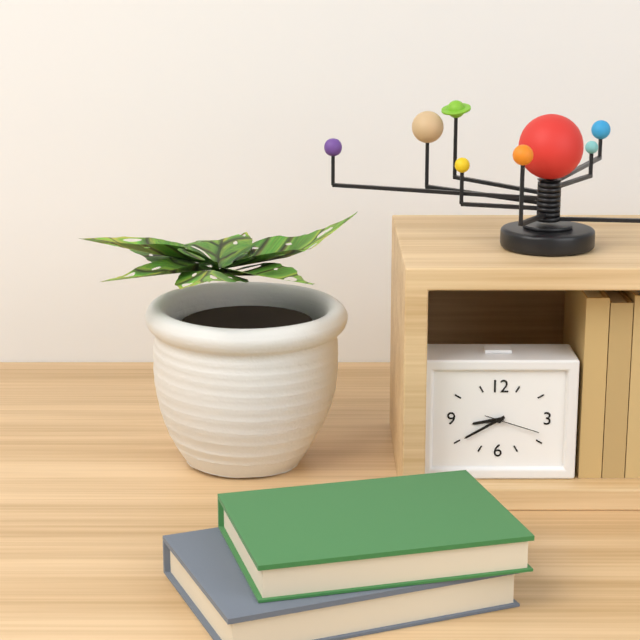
8.40.18
